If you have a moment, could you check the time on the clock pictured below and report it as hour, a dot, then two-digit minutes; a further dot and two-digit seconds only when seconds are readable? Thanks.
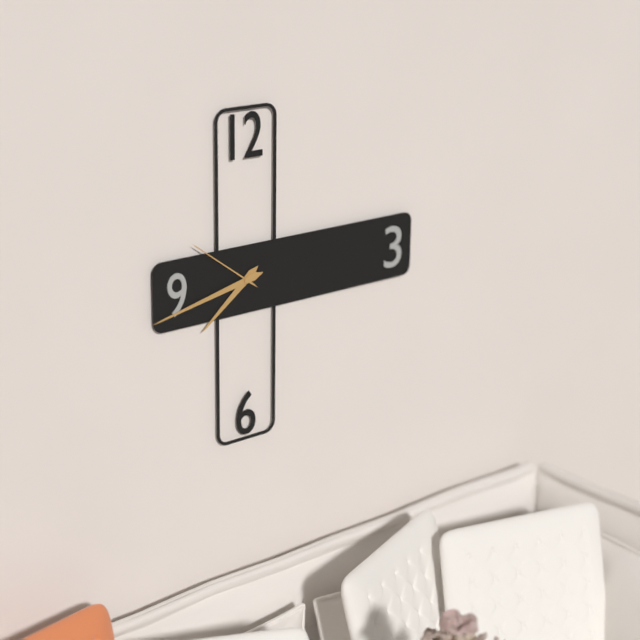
7.43.51
